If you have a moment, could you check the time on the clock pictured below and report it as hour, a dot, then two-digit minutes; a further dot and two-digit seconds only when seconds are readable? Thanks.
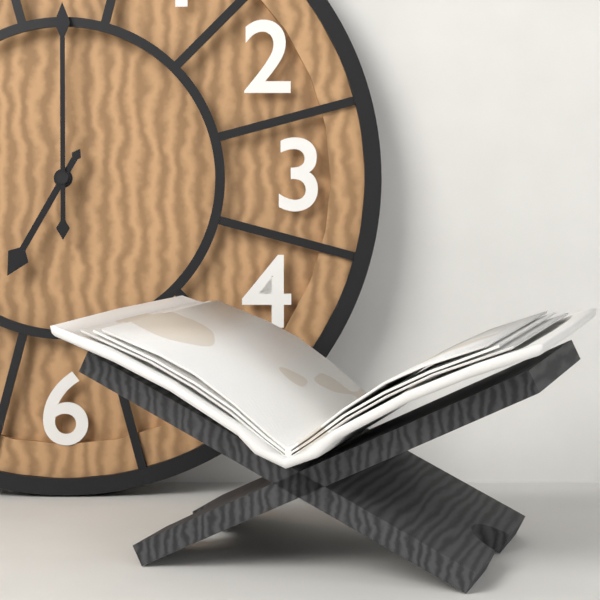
7.00
